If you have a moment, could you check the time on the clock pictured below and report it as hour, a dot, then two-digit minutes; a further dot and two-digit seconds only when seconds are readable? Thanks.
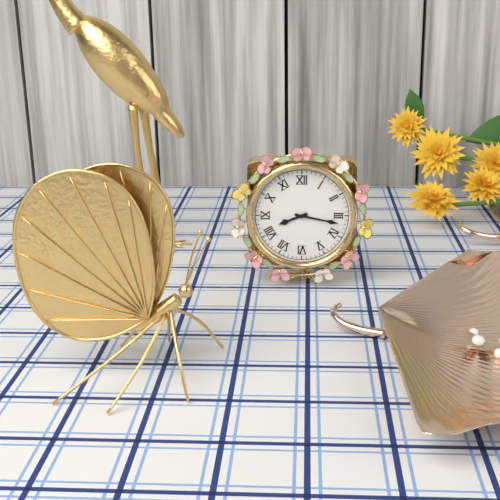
8.17
